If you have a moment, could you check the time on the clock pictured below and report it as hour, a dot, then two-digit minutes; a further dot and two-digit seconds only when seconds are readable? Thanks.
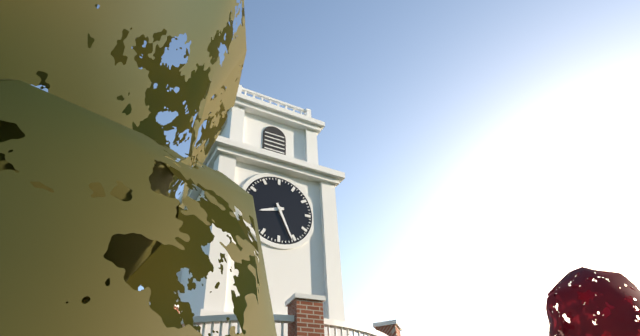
8.26
